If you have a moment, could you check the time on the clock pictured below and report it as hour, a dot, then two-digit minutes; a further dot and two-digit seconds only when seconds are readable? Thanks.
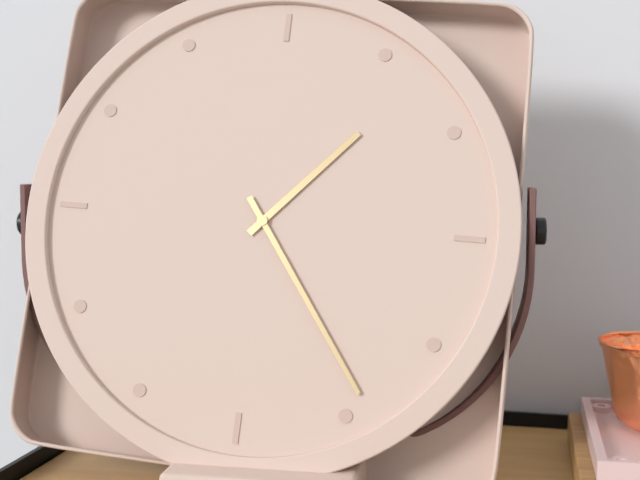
1.24
